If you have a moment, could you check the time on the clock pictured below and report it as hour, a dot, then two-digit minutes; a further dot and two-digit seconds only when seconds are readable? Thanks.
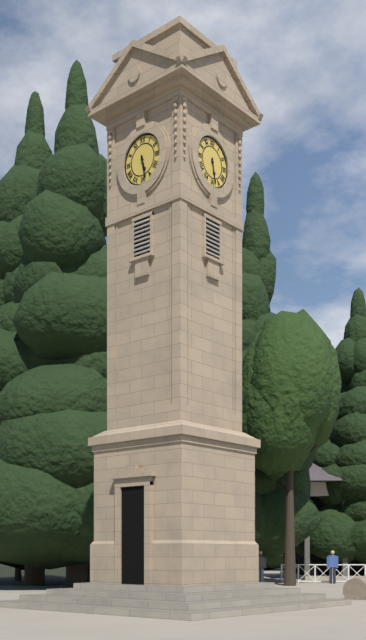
5.28
